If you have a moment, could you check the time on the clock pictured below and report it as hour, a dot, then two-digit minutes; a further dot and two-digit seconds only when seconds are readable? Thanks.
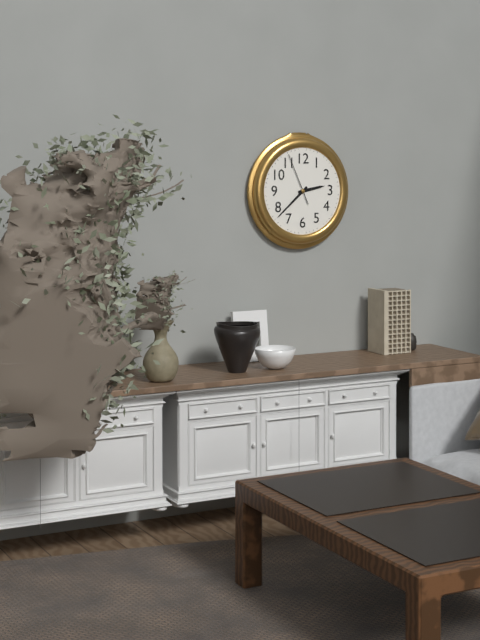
2.38
